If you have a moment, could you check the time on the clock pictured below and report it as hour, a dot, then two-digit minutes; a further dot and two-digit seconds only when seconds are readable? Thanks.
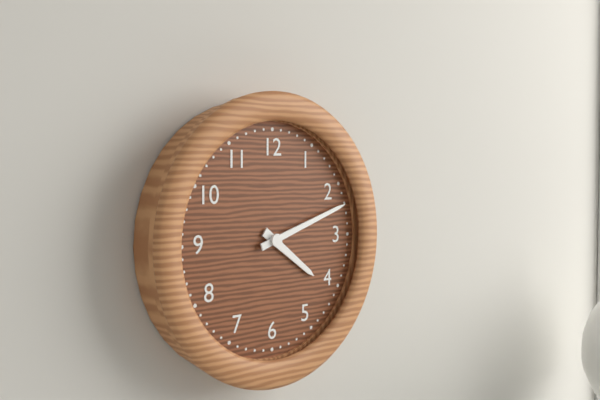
4.12
